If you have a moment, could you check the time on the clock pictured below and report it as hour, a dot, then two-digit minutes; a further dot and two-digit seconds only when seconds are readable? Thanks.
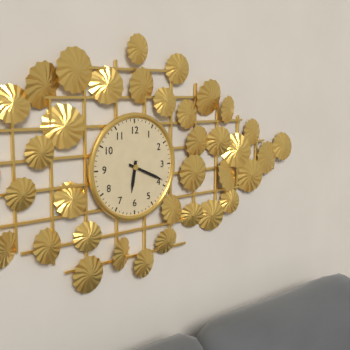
6.19
